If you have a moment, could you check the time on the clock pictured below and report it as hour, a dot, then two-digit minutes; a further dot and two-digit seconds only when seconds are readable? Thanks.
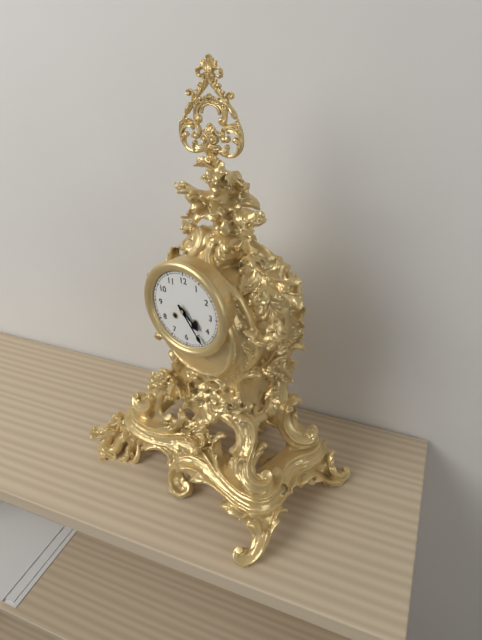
4.24
